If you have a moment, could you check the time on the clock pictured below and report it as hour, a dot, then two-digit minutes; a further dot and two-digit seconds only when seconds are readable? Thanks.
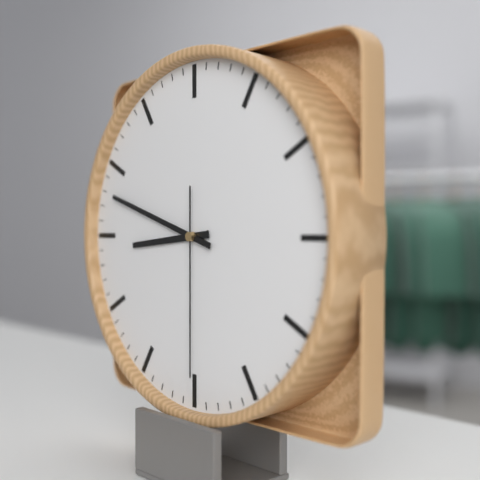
8.48.30
